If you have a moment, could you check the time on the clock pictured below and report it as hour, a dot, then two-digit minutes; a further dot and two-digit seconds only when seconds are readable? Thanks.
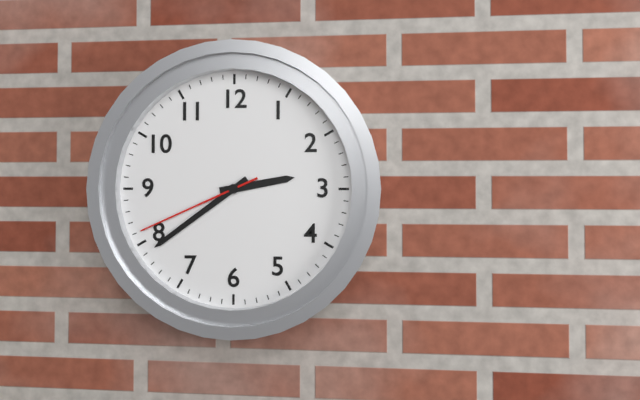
2.39.41
